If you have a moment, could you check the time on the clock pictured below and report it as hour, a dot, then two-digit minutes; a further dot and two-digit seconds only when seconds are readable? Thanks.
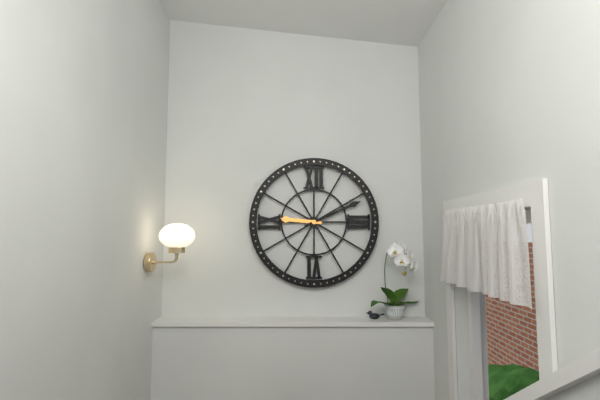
9.11
